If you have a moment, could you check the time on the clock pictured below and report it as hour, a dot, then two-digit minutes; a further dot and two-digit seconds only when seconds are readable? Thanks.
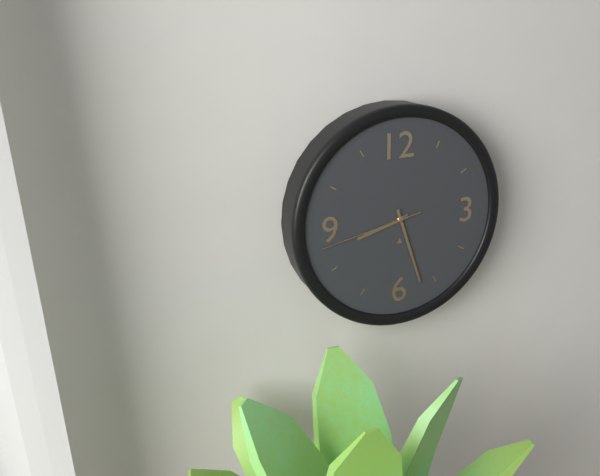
8.27.43
